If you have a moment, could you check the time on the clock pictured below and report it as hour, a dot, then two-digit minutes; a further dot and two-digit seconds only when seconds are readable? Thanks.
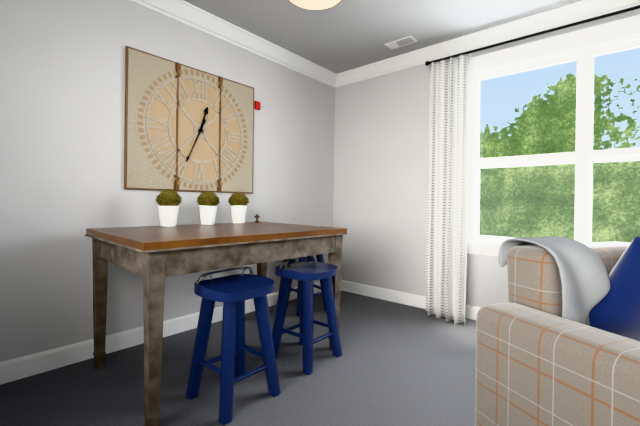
12.34
